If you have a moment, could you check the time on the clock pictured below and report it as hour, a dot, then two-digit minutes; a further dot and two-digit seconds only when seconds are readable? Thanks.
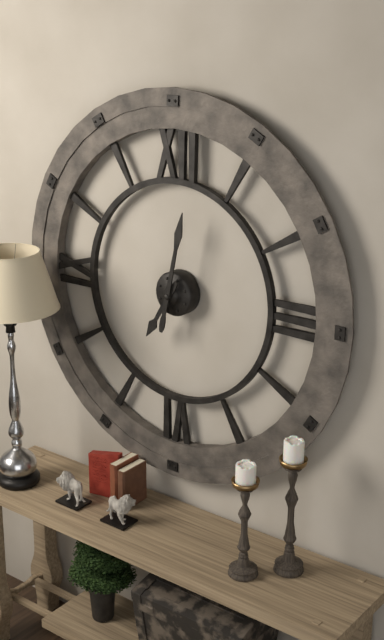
7.02
